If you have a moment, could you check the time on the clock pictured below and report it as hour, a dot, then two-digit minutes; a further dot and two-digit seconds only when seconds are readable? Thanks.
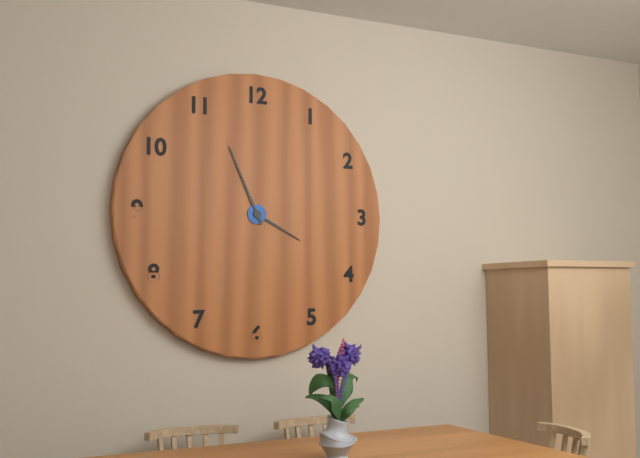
3.56
